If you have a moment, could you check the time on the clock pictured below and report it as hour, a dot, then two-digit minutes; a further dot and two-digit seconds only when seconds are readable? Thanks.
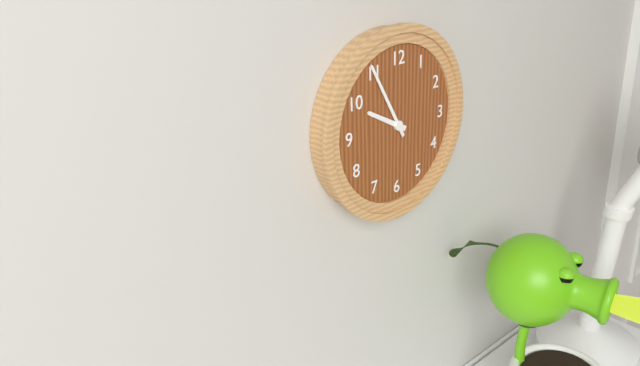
9.55
